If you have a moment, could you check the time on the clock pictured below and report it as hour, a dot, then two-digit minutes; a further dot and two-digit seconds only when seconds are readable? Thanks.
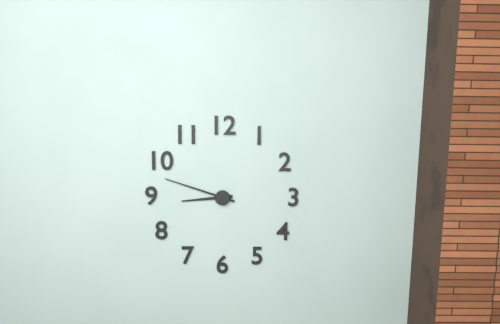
8.48
